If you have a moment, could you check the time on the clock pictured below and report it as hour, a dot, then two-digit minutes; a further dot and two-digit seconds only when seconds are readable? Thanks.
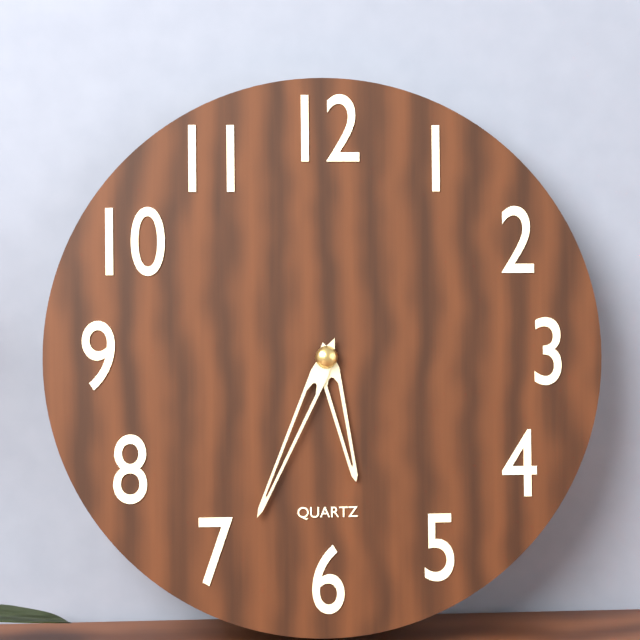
5.34
